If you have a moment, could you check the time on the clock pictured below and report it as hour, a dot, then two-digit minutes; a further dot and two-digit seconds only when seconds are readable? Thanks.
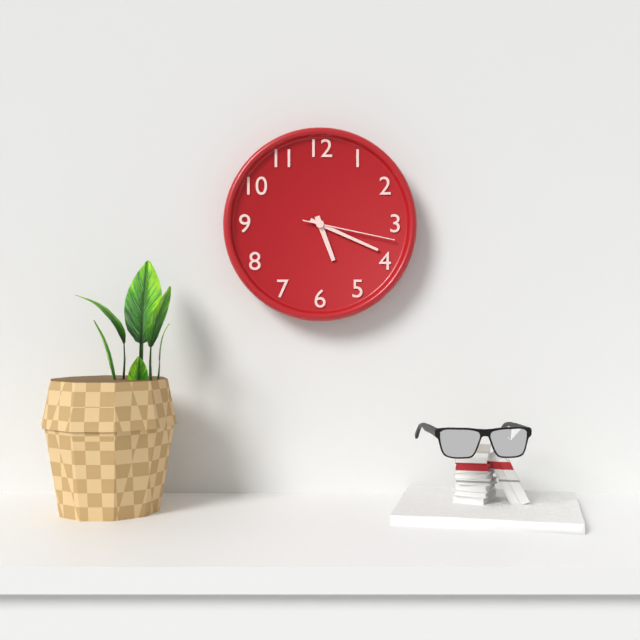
5.19.17
